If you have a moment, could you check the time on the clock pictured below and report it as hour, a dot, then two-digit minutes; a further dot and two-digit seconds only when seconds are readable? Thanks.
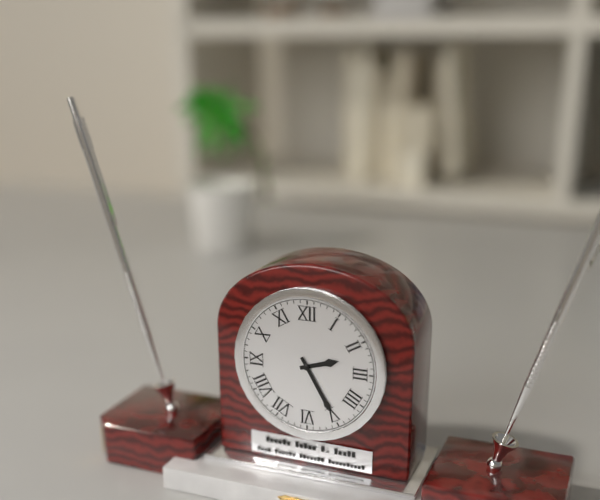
2.25
